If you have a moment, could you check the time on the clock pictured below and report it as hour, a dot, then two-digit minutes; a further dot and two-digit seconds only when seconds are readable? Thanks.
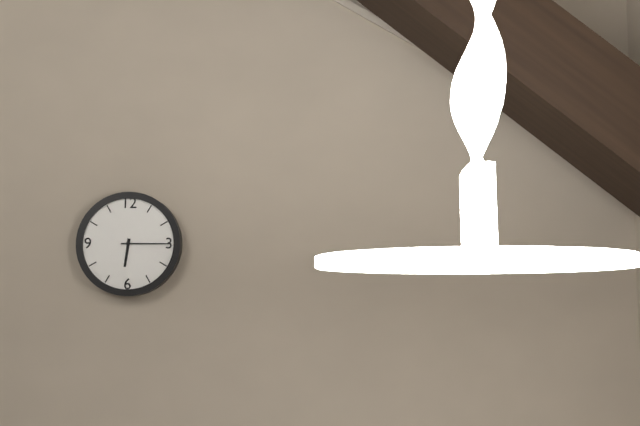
6.15
